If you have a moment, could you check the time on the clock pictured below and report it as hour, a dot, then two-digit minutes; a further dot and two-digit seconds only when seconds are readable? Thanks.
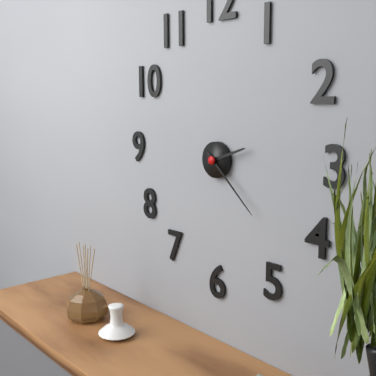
2.22
